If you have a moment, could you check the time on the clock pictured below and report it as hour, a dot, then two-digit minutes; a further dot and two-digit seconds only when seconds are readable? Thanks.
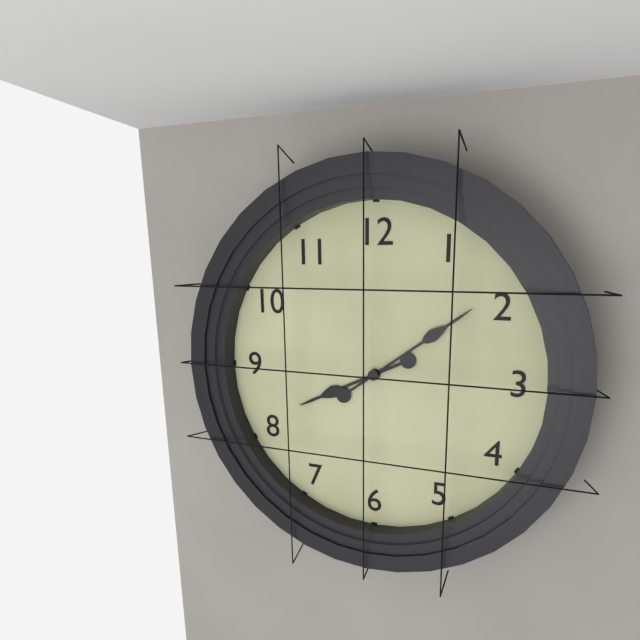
8.09
